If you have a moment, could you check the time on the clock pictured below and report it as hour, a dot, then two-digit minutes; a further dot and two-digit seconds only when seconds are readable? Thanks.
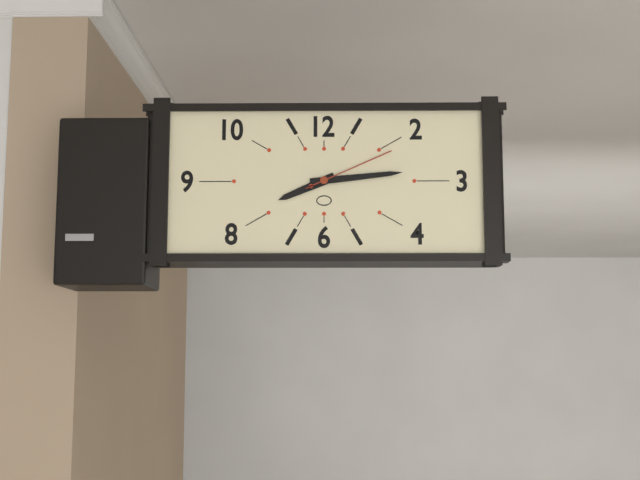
8.14.11
